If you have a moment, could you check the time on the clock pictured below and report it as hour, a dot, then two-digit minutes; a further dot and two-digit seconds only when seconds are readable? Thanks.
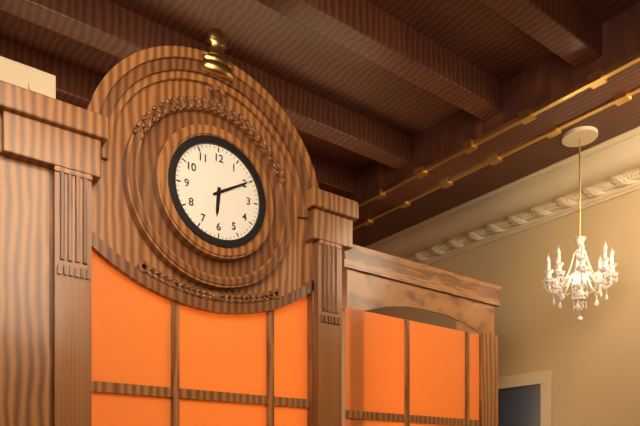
6.10
